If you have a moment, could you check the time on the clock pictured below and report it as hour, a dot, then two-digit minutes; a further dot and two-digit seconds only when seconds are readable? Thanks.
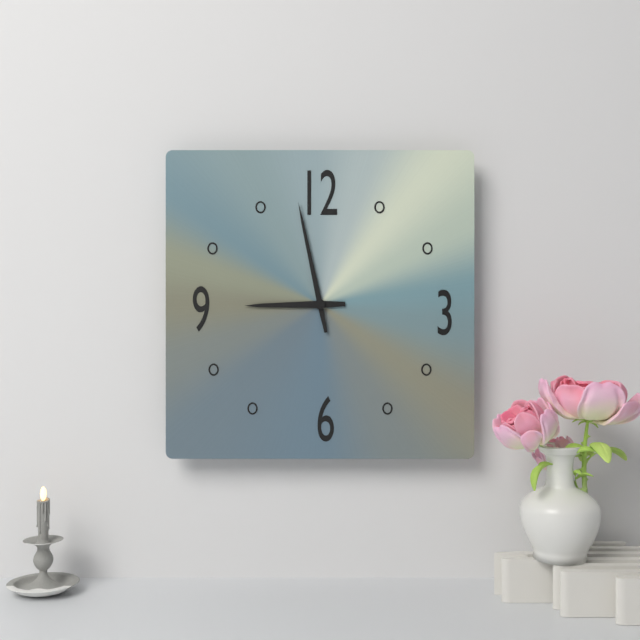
8.58
